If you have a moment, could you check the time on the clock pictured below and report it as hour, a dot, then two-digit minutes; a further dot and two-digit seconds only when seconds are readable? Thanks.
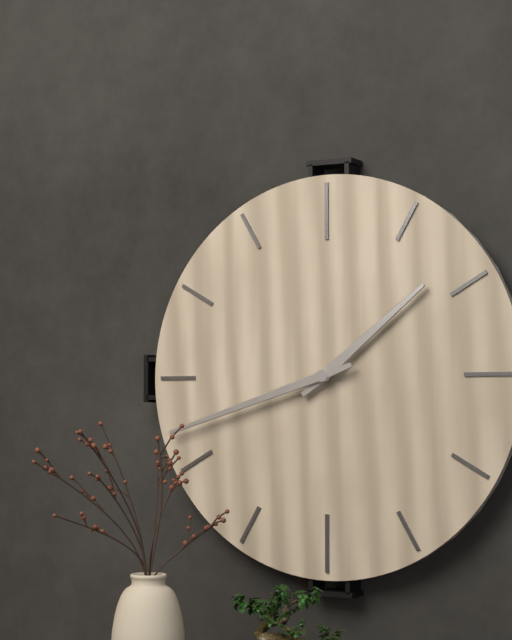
1.42
